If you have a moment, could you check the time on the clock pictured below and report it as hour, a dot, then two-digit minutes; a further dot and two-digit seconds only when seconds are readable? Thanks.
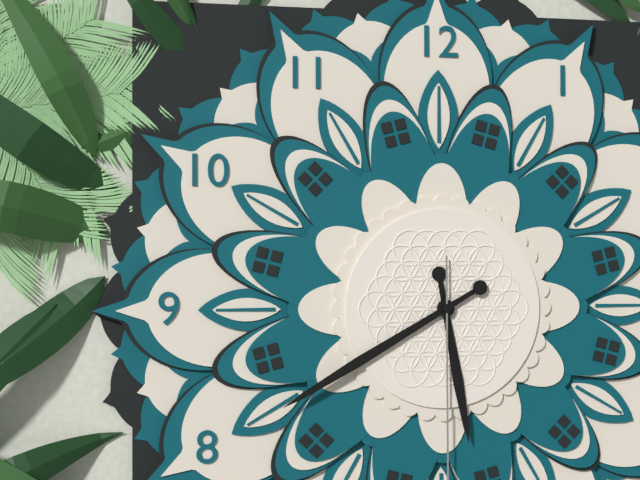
5.40
